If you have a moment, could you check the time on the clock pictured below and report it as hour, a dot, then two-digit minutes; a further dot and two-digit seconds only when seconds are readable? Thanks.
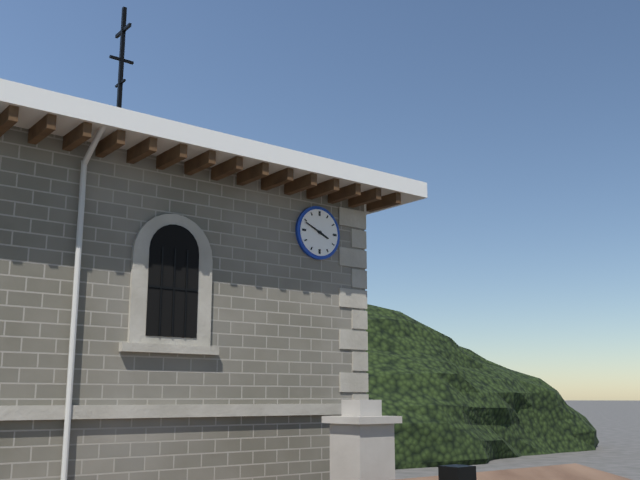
3.49
